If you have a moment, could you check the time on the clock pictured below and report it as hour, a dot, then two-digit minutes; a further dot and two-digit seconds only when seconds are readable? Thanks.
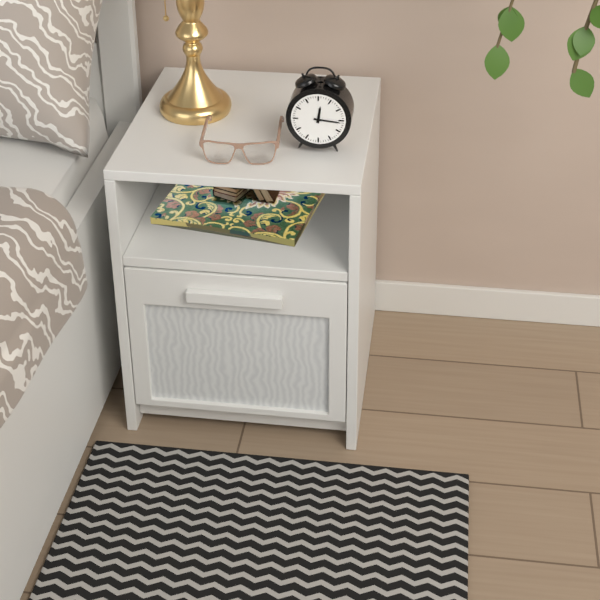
12.16
